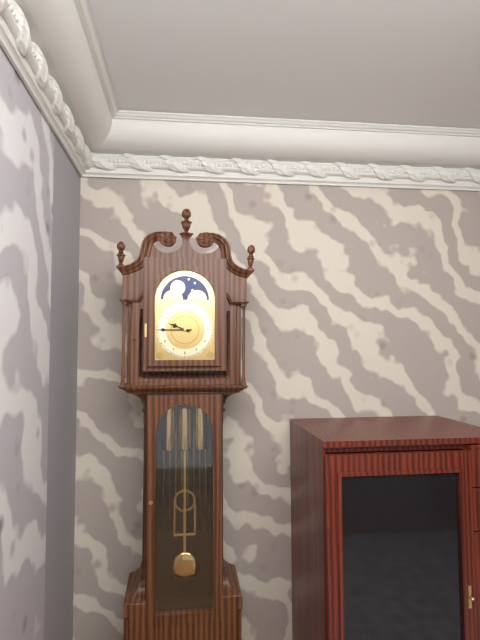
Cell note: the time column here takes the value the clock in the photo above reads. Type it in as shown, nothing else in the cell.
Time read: 9:45
